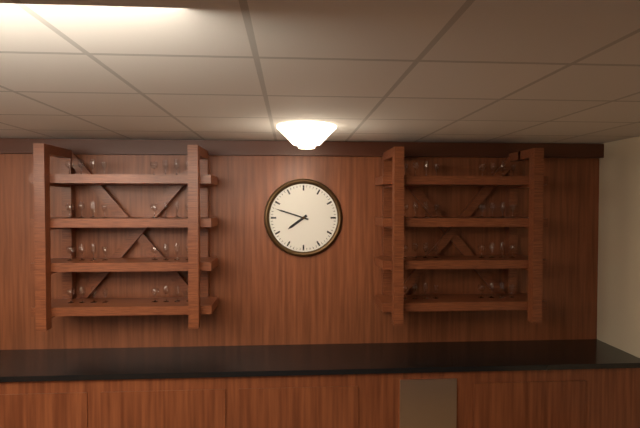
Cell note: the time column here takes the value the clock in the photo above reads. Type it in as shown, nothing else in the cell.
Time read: 7:48
